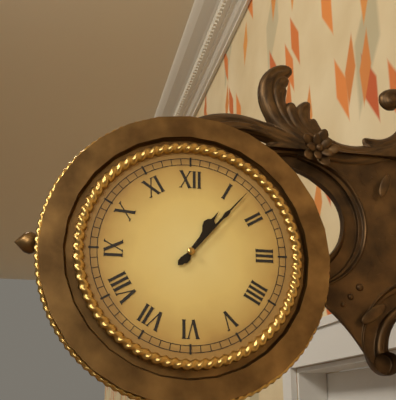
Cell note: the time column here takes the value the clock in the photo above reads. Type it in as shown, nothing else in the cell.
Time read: 1:07
